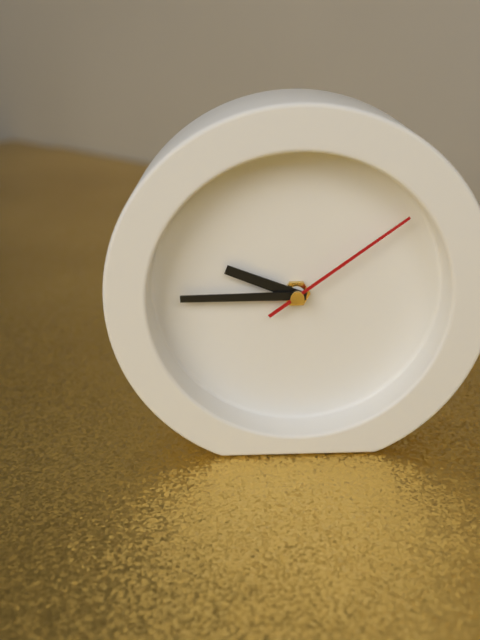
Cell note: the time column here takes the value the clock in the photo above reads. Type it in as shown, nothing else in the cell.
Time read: 9:45:09
